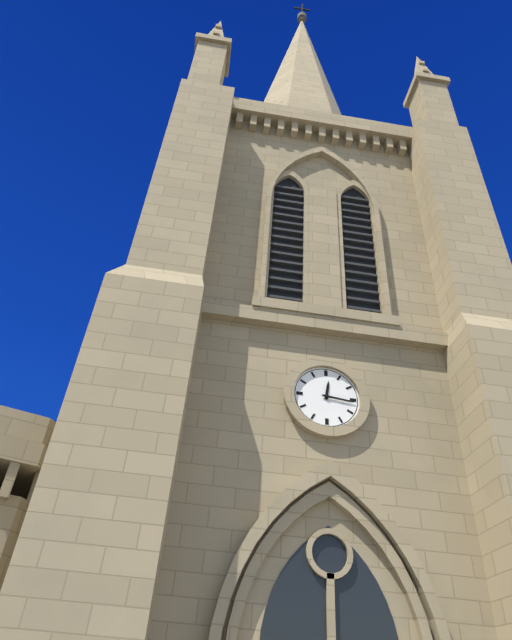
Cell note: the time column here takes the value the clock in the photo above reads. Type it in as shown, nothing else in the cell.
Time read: 12:16
